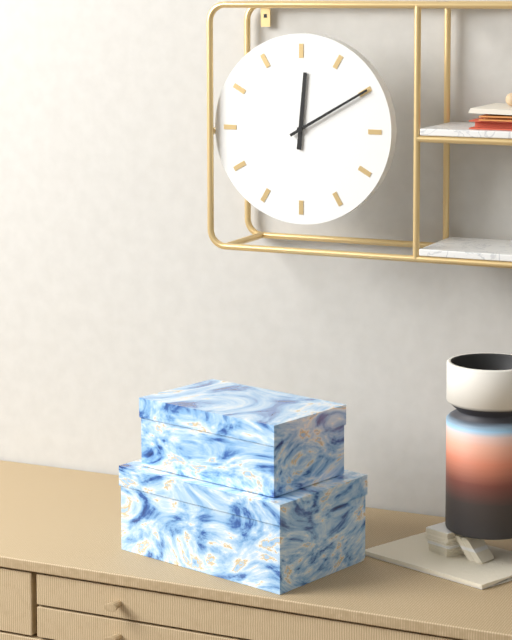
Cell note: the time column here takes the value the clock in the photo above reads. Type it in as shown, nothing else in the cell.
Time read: 12:10
